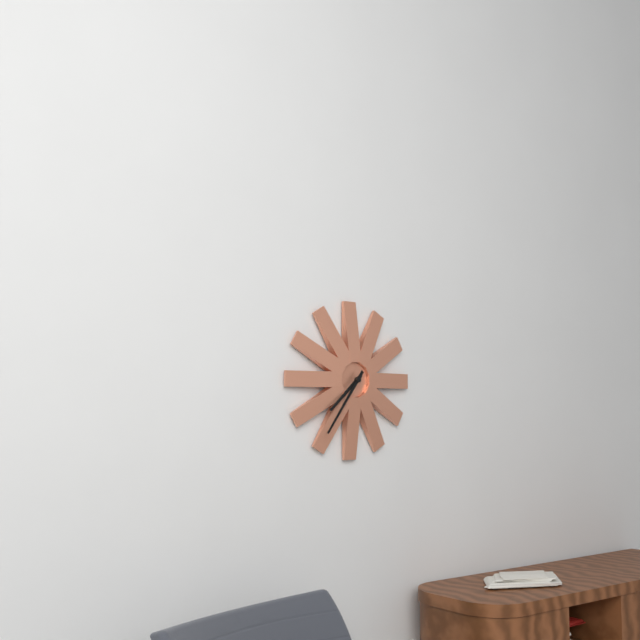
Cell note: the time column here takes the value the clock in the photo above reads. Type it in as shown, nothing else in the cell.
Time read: 7:36
